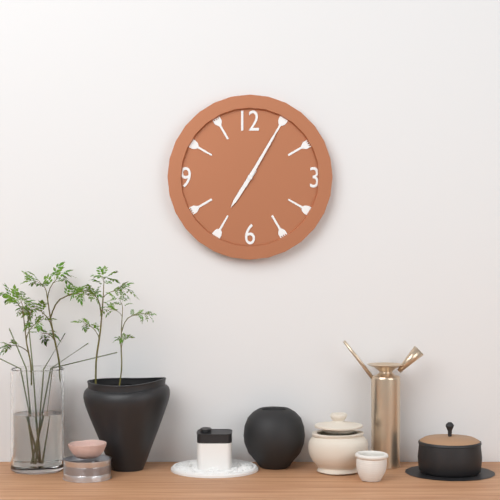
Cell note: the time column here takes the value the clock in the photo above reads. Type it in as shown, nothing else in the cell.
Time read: 7:05
